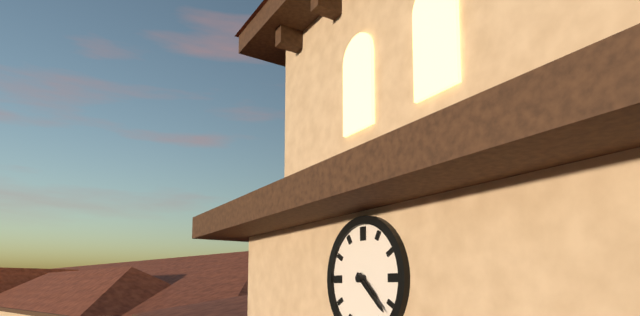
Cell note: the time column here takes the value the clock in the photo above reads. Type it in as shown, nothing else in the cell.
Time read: 4:22
